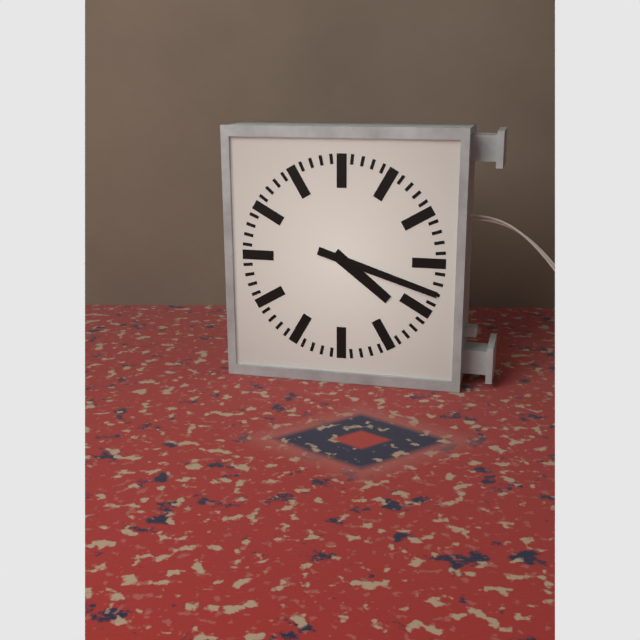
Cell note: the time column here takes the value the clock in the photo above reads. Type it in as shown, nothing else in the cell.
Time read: 4:18
